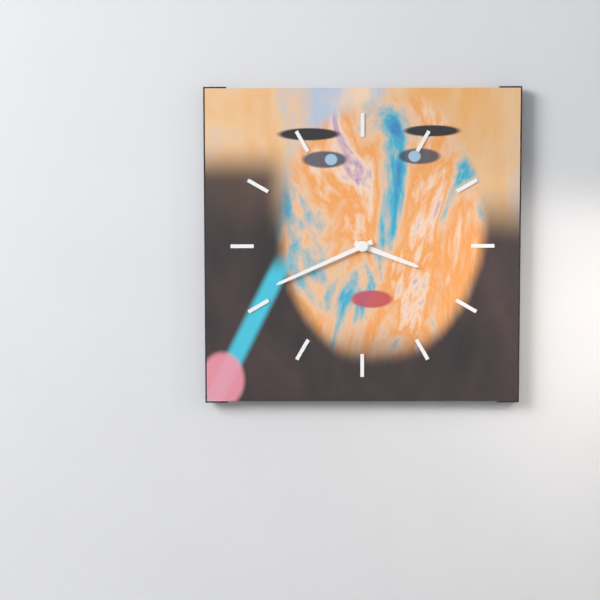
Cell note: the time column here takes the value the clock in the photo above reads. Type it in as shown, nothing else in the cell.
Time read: 3:41
